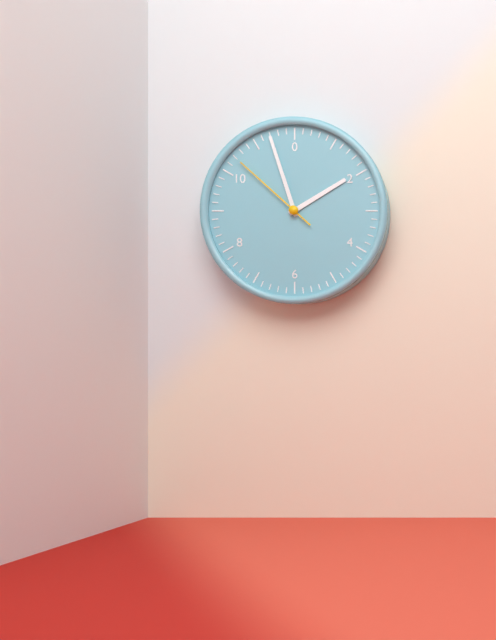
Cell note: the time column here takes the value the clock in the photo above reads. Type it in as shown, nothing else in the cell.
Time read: 1:57:52
